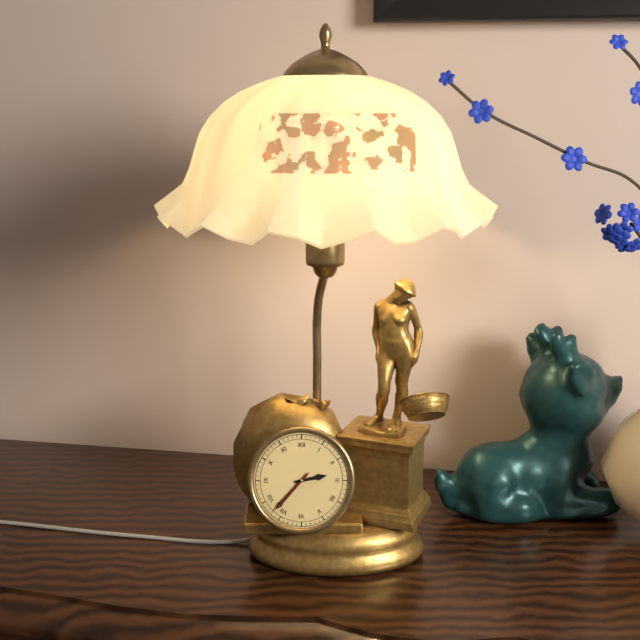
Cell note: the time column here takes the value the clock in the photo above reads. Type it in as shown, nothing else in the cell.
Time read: 2:37:37
